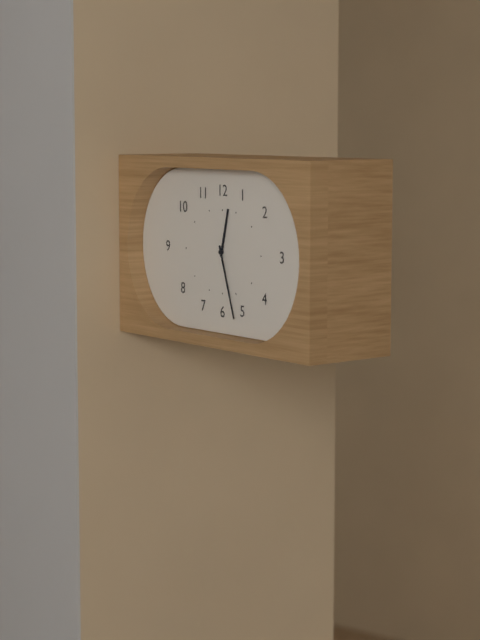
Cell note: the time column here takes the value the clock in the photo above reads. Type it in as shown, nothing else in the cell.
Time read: 12:27
